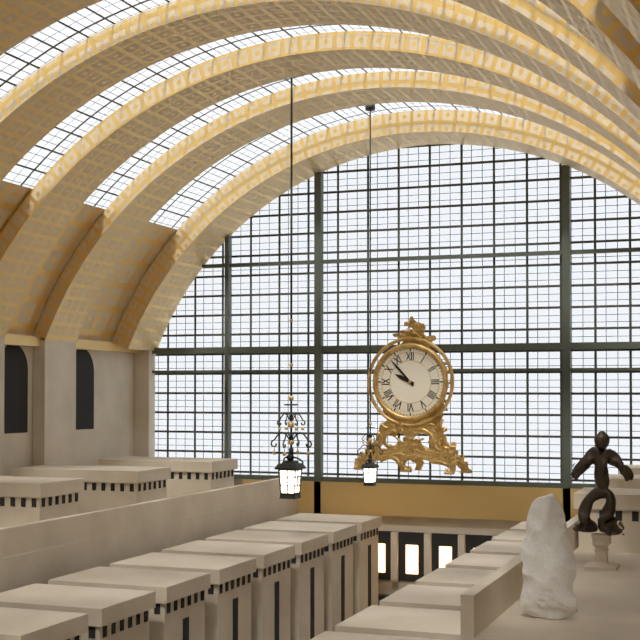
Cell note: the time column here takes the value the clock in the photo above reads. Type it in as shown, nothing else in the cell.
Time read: 9:53
